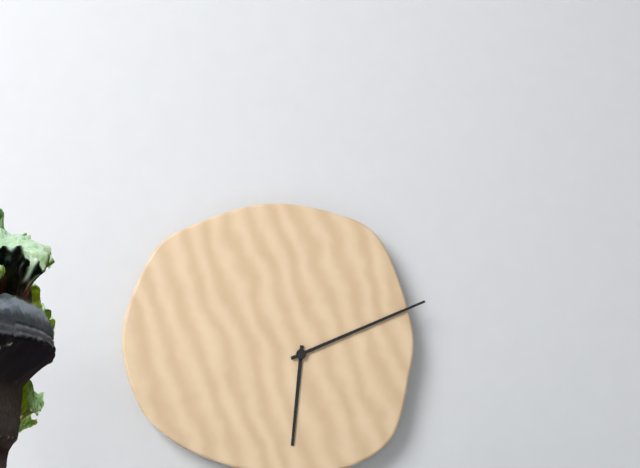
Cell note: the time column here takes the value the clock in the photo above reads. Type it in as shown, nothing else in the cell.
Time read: 6:11
